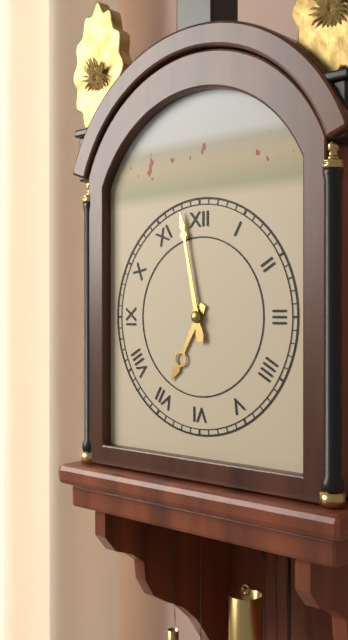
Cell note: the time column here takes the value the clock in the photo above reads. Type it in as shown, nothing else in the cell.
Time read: 6:58
